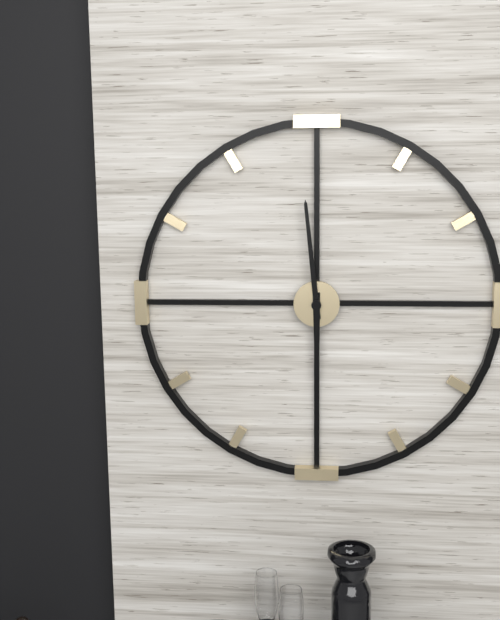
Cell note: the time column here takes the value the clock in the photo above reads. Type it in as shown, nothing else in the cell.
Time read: 5:59
